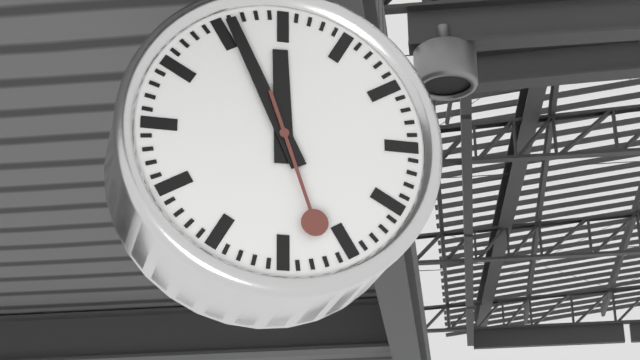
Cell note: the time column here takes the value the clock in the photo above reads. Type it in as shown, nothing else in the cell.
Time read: 11:56:27
